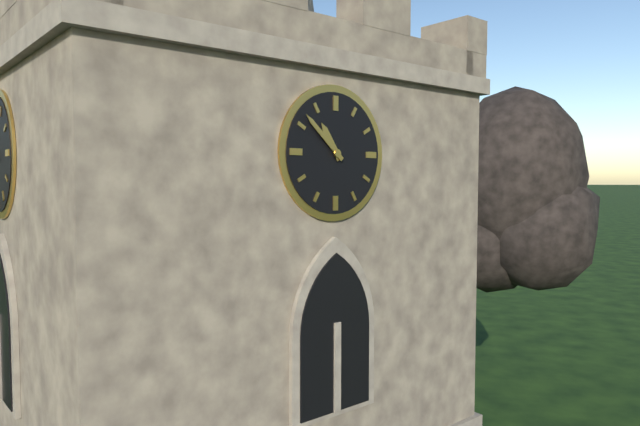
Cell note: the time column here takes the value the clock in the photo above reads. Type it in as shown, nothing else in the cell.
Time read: 10:52
